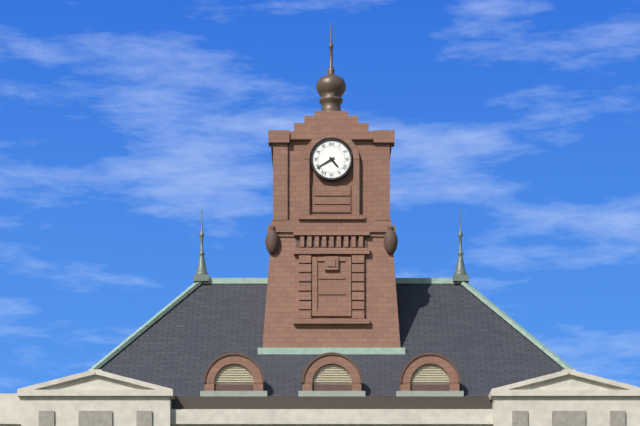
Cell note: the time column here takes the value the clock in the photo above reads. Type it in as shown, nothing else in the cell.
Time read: 4:40
